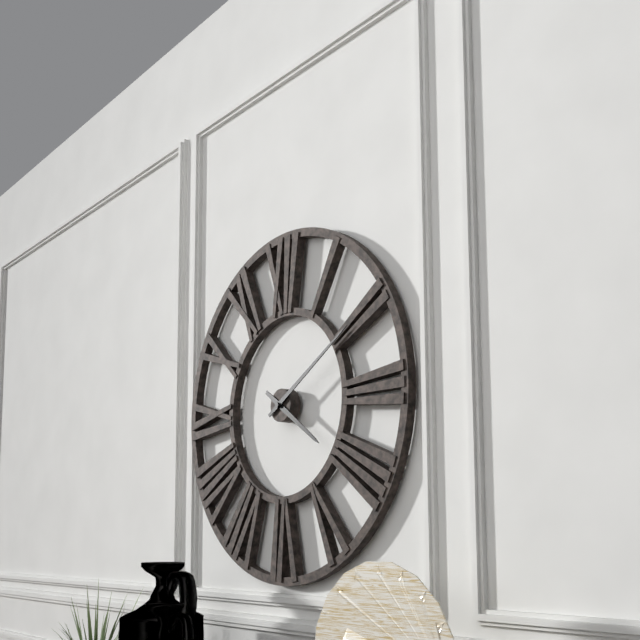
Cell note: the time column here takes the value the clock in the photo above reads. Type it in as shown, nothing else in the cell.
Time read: 4:10
